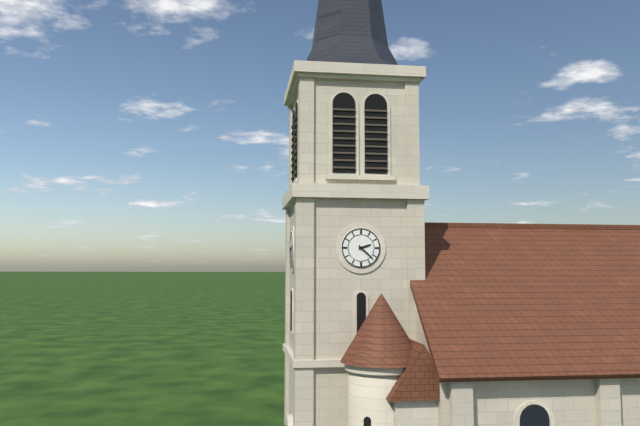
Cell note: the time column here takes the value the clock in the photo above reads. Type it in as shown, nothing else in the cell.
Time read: 2:22
